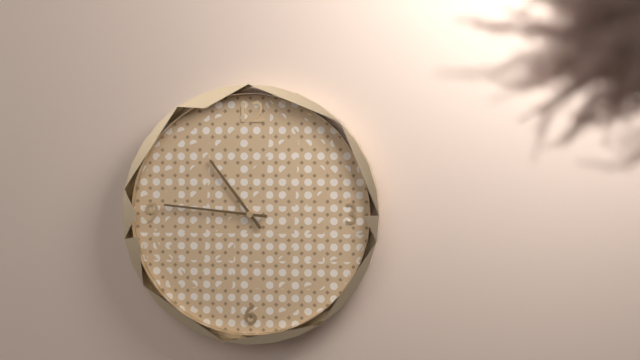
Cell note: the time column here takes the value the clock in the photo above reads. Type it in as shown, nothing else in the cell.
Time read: 10:46
